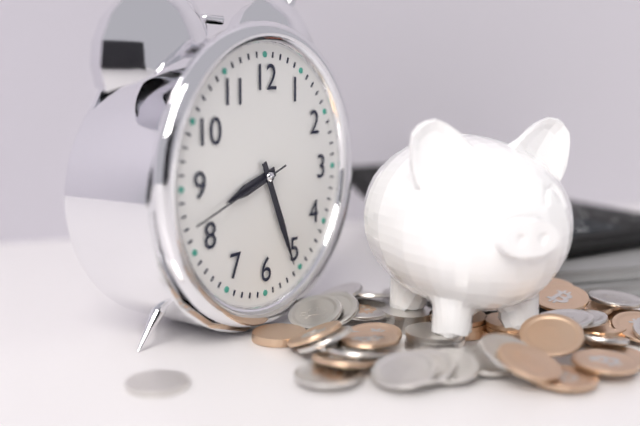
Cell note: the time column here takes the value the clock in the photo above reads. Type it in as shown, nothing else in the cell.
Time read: 8:26:42
